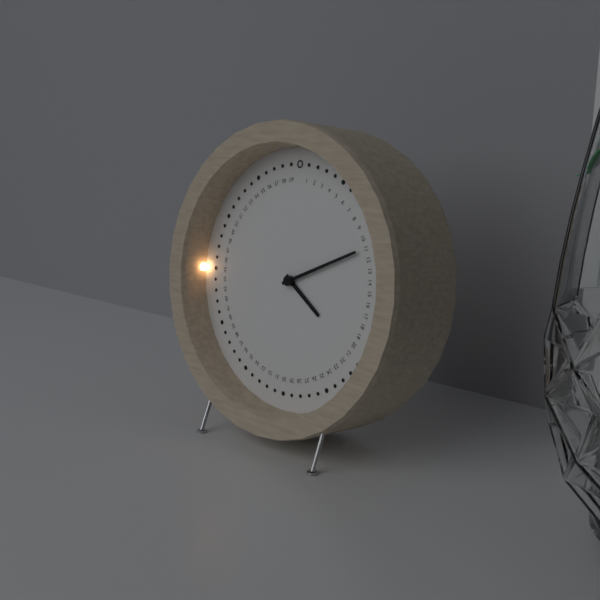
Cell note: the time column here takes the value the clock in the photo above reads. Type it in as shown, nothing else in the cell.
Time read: 4:11
